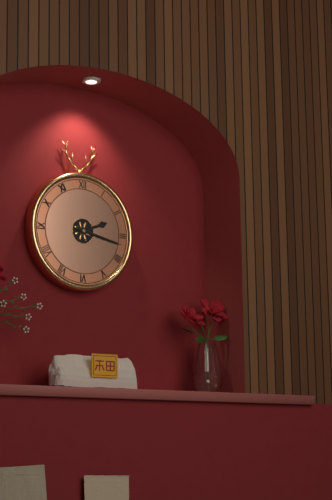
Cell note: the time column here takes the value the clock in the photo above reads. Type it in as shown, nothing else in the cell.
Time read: 2:17
